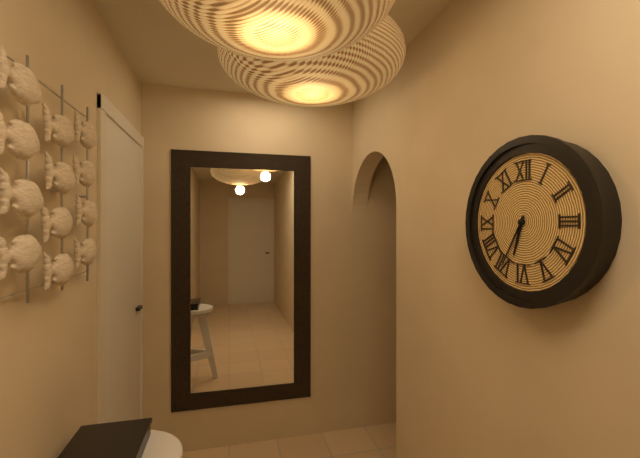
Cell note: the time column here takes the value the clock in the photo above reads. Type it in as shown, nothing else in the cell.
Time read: 6:35
